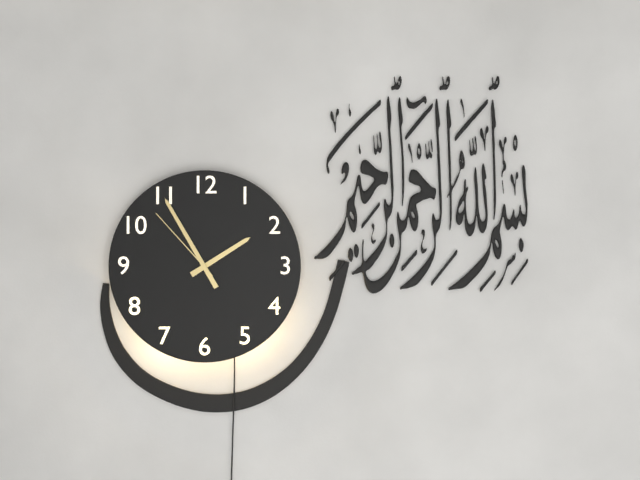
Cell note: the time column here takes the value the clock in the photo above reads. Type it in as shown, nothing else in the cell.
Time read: 1:55:53
